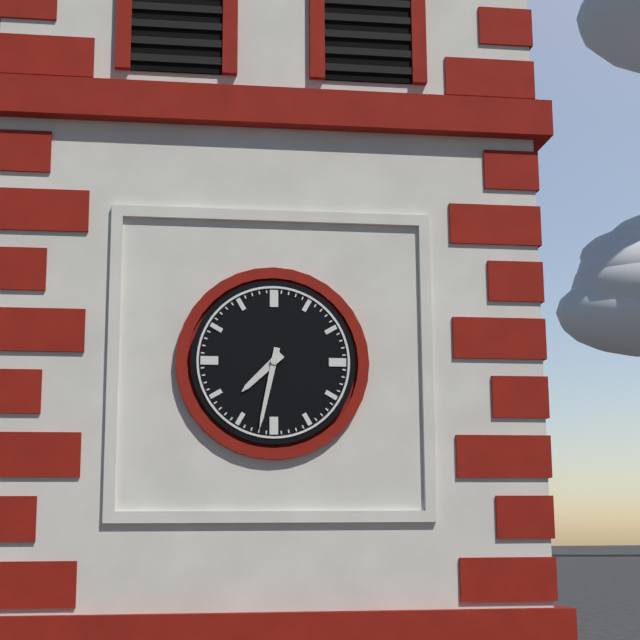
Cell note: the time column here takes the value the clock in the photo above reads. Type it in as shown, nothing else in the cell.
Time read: 7:32
